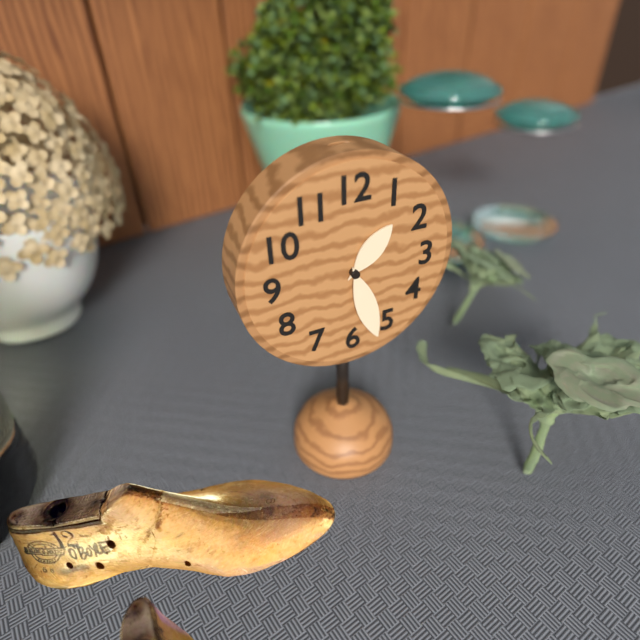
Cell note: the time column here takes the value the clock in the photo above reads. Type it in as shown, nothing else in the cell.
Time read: 1:27
